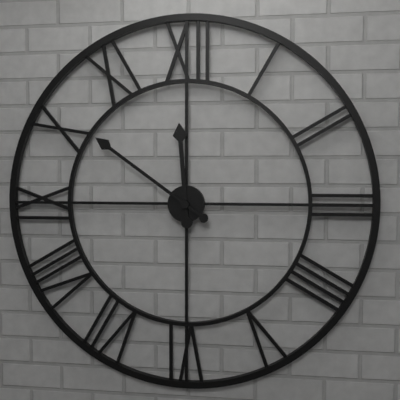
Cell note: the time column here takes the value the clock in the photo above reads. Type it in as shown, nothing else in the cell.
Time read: 11:51
